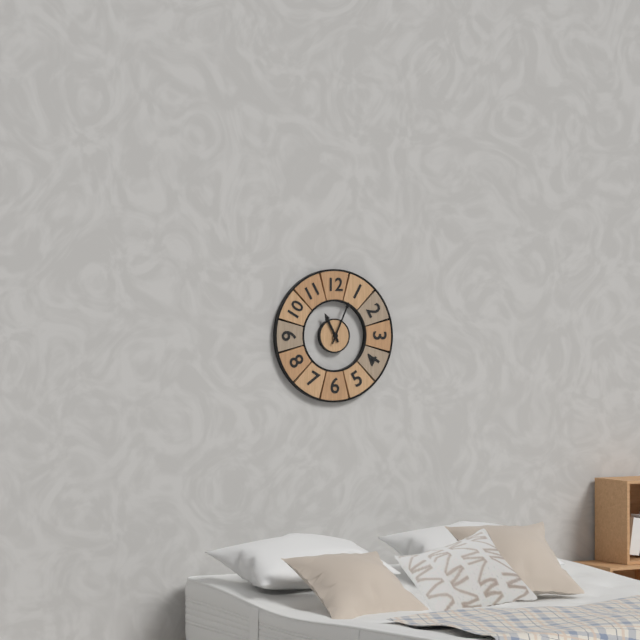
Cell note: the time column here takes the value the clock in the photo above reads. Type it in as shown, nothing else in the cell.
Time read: 11:04
